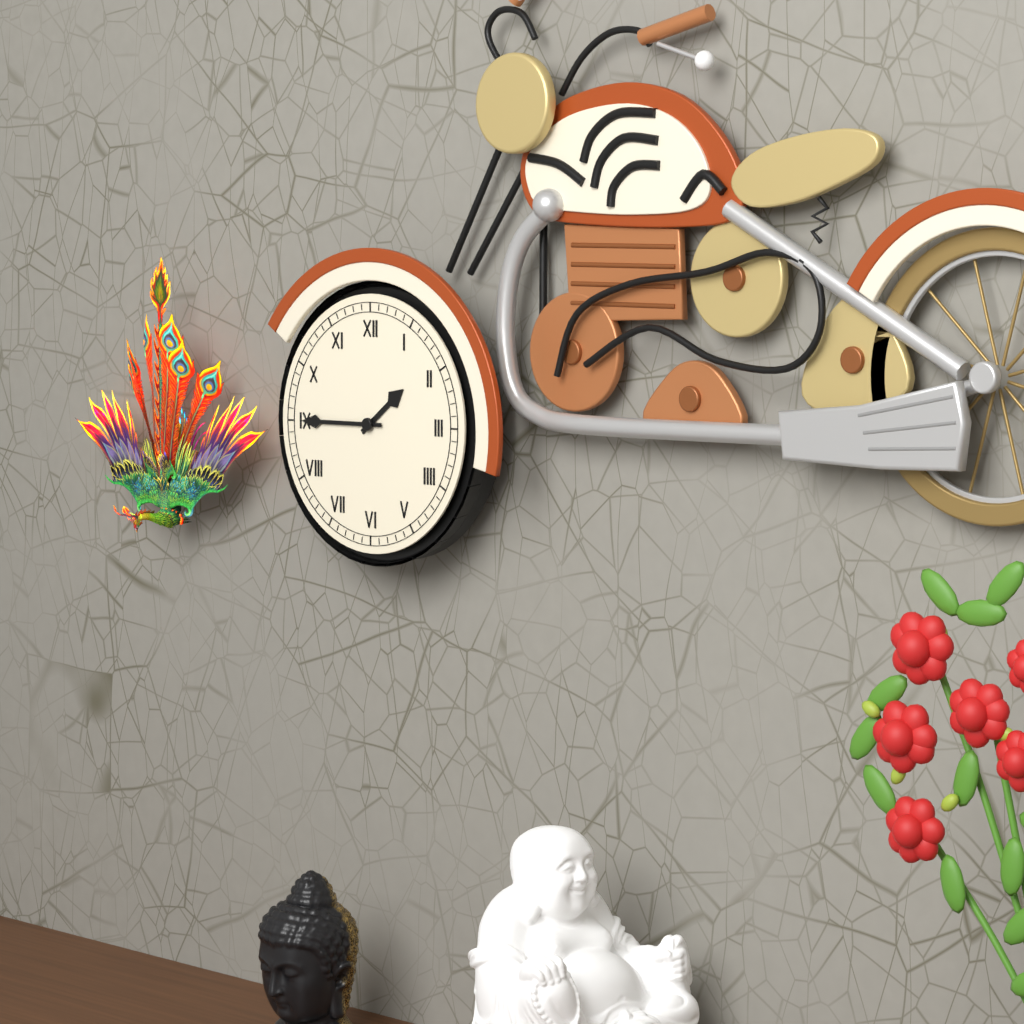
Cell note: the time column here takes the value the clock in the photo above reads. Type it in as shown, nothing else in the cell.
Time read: 1:45
